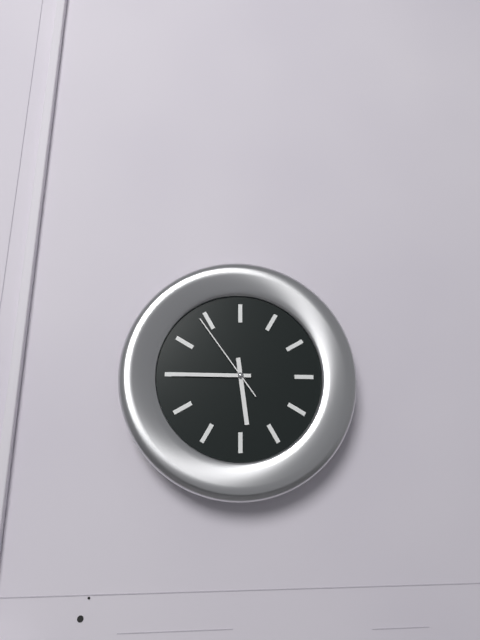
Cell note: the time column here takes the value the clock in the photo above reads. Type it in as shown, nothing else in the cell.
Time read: 5:45:54
